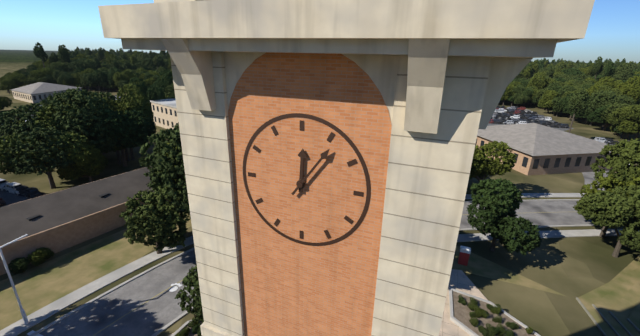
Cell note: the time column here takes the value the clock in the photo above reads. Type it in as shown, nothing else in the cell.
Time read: 12:06
